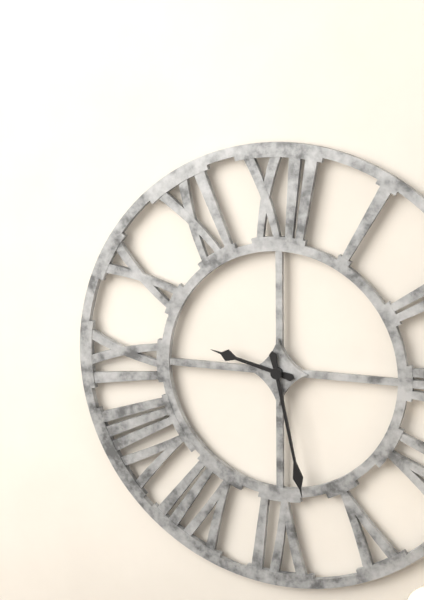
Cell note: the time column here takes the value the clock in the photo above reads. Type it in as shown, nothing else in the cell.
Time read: 9:28
